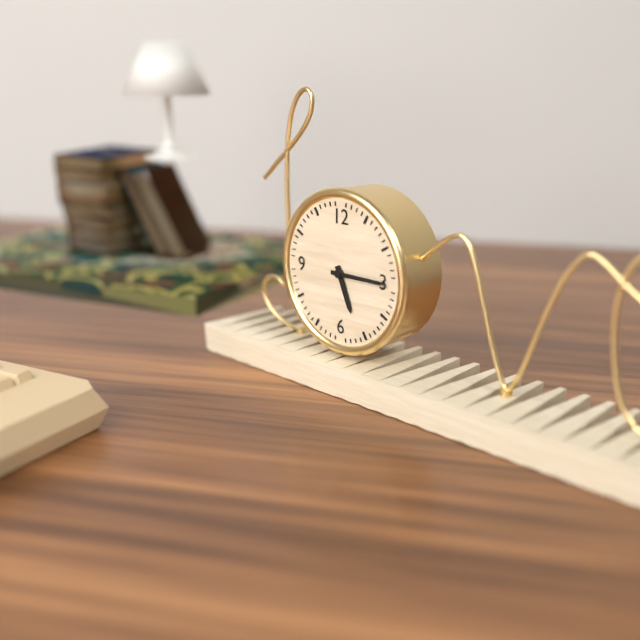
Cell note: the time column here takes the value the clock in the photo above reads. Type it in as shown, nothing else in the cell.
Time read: 5:15
